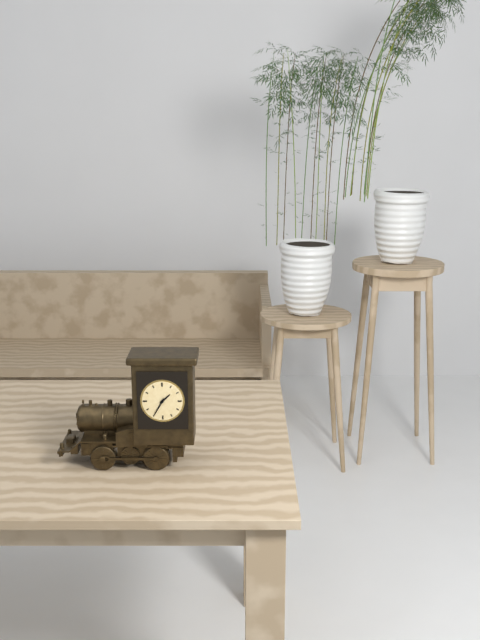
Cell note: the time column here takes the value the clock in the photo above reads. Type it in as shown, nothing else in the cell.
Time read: 1:35
